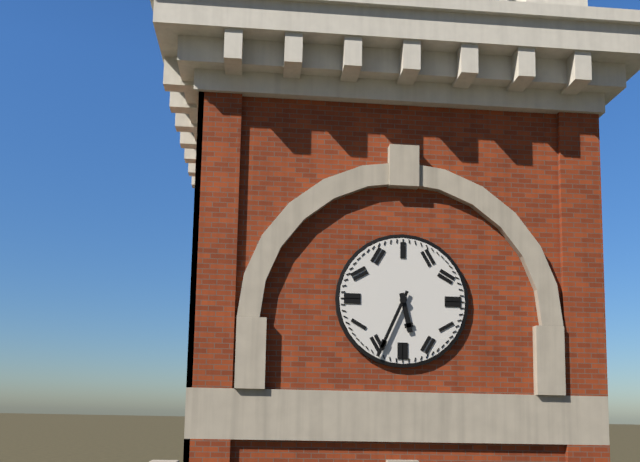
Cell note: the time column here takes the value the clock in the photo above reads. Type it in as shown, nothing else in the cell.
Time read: 5:34
